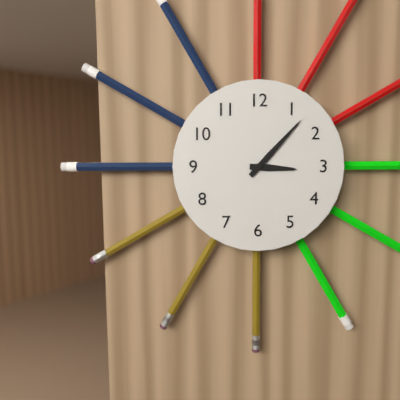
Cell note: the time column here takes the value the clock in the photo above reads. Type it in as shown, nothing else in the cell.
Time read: 3:07
